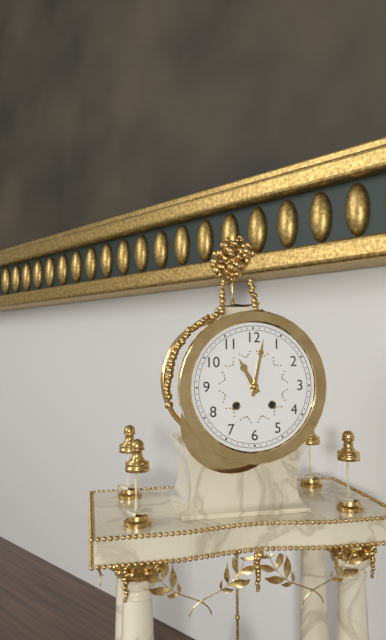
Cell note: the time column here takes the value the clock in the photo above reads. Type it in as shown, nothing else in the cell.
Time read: 11:02
